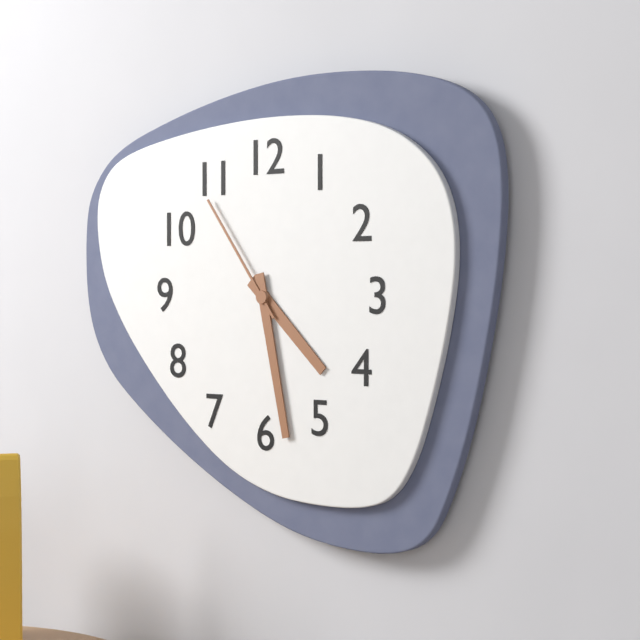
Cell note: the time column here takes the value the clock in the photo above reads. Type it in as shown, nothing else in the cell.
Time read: 4:28:54
